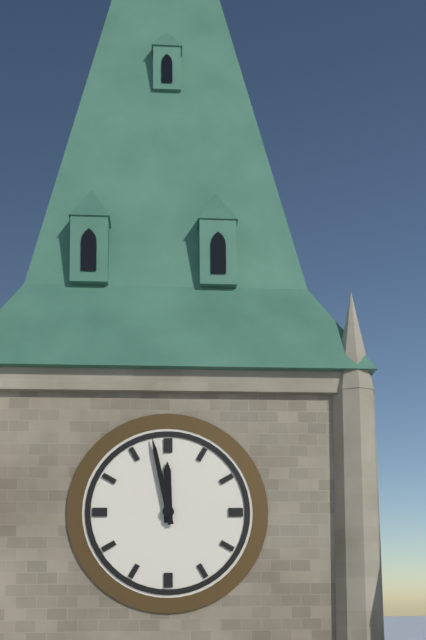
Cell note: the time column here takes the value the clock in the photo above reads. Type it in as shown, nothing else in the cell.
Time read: 11:58
